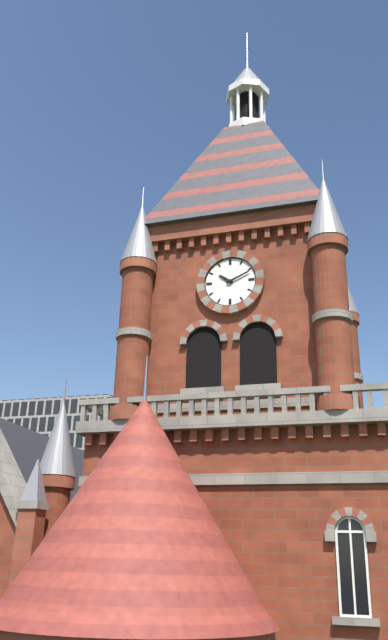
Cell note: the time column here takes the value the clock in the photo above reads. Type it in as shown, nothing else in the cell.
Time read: 10:11
